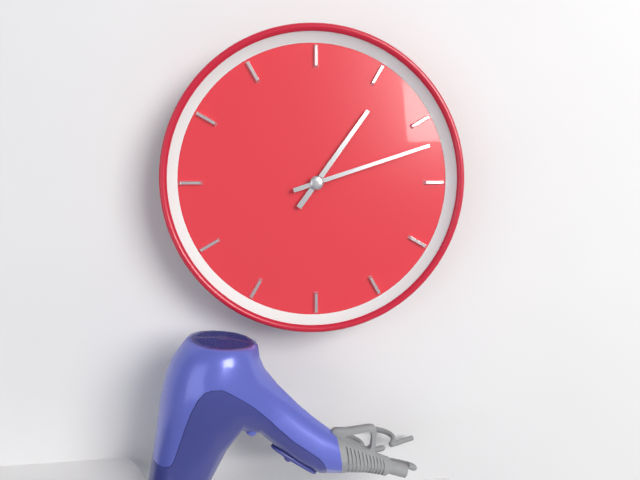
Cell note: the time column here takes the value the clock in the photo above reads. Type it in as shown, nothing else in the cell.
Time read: 1:12
